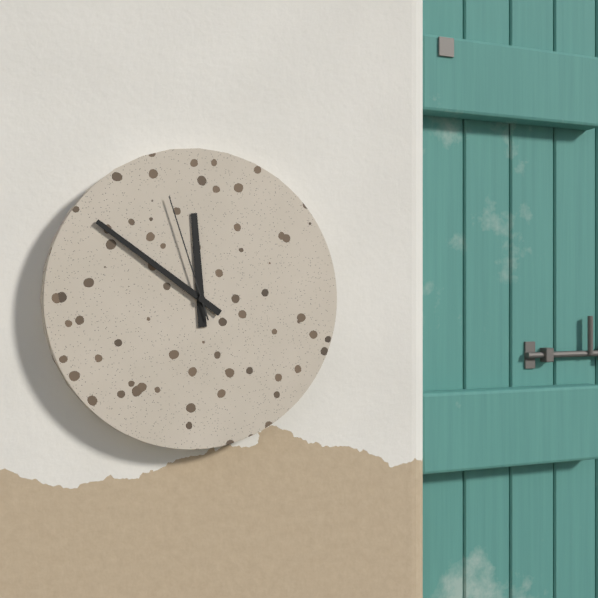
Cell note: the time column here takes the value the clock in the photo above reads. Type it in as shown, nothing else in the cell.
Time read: 11:51:57
